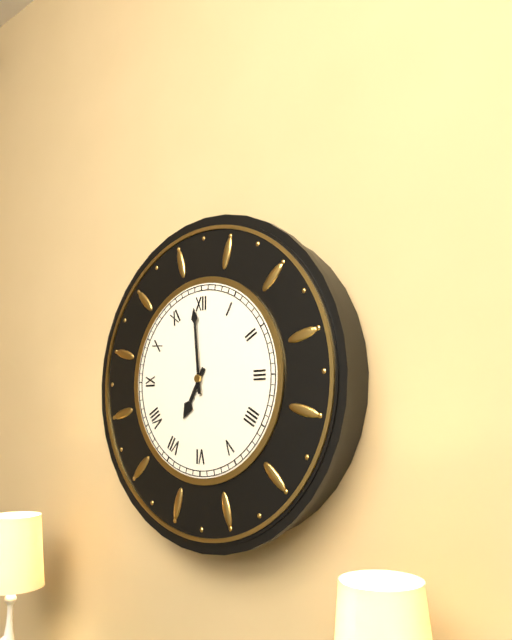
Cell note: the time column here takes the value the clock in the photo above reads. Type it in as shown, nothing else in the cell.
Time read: 6:59
